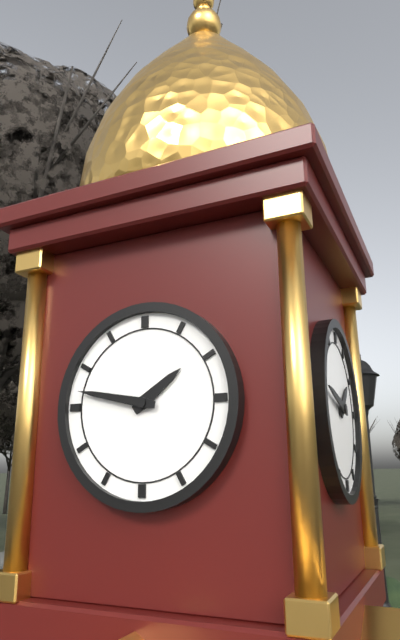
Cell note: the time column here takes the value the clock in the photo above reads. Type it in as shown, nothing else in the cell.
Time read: 1:47
